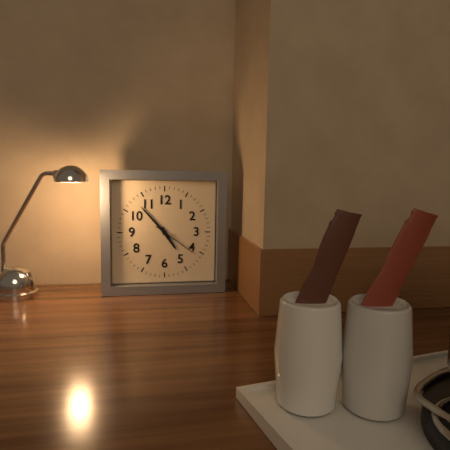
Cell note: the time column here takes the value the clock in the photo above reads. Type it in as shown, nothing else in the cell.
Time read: 4:53
